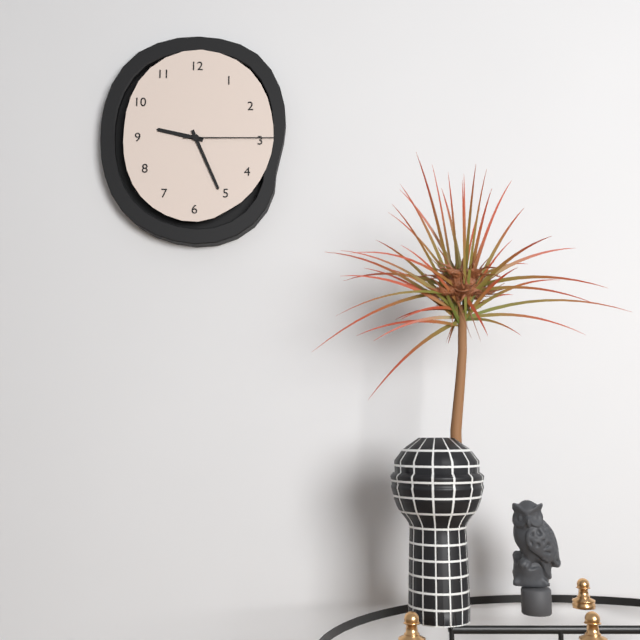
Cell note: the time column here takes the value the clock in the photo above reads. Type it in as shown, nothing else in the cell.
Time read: 9:26:15
